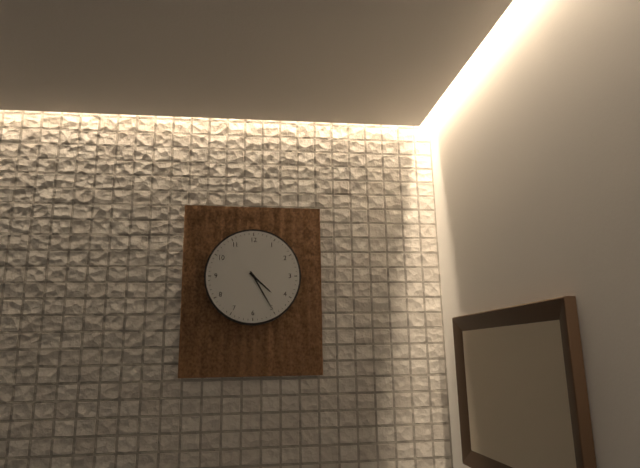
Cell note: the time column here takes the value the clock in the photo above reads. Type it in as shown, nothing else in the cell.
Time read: 4:25
